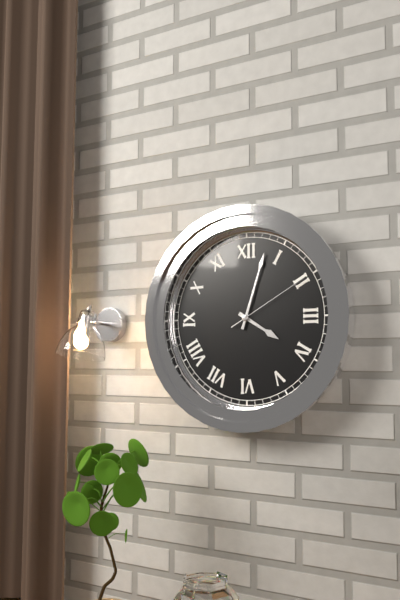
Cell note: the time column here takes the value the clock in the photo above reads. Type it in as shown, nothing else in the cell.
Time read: 4:03:10
